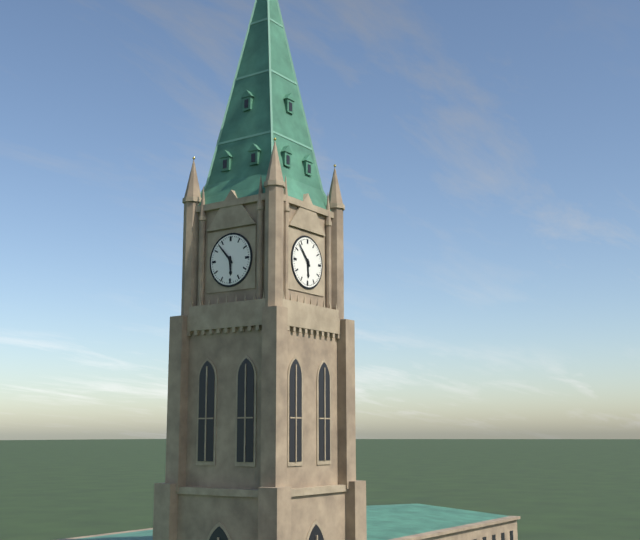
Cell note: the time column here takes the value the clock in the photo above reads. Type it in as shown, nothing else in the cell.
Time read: 5:53
